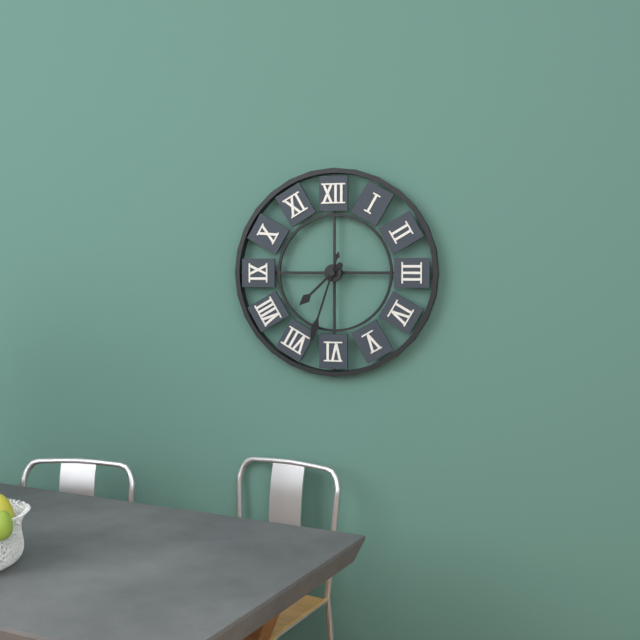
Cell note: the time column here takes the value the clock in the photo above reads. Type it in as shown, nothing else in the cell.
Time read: 7:33
